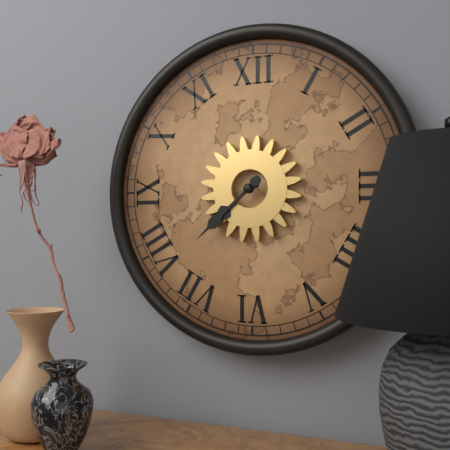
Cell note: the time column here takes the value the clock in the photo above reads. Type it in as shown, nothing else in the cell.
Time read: 7:38
